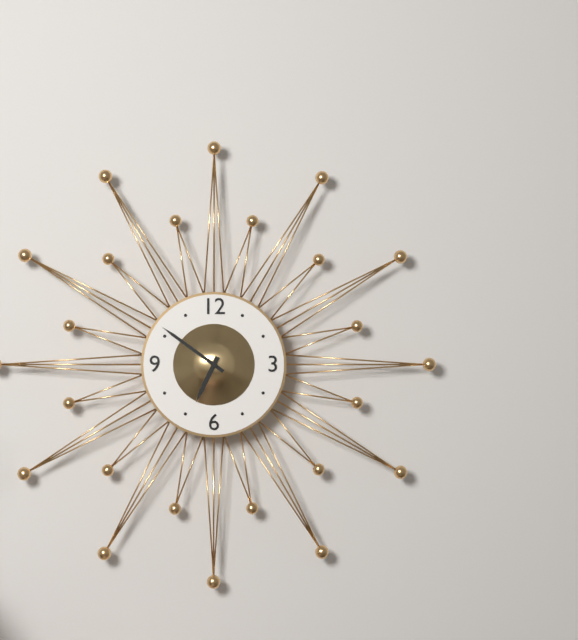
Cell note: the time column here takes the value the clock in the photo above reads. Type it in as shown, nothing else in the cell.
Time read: 6:51
